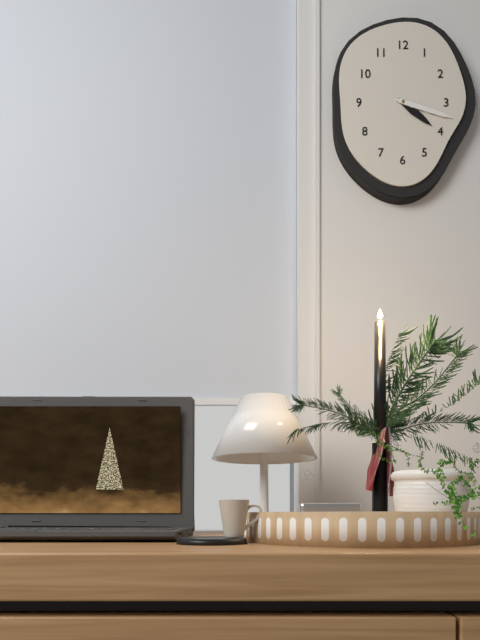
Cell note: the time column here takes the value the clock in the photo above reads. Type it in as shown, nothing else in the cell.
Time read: 4:18
